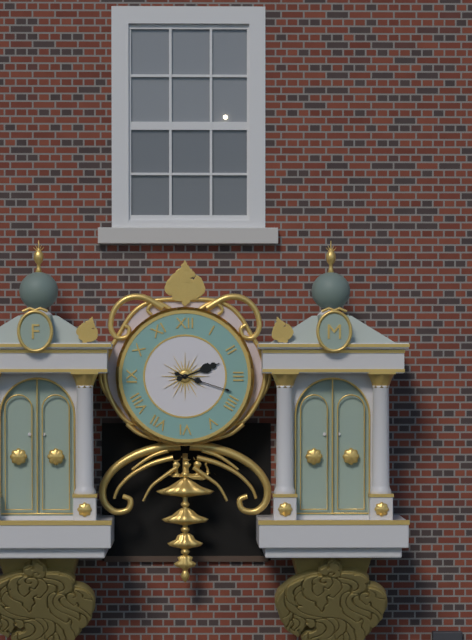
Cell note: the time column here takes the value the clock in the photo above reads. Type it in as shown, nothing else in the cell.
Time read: 2:18
